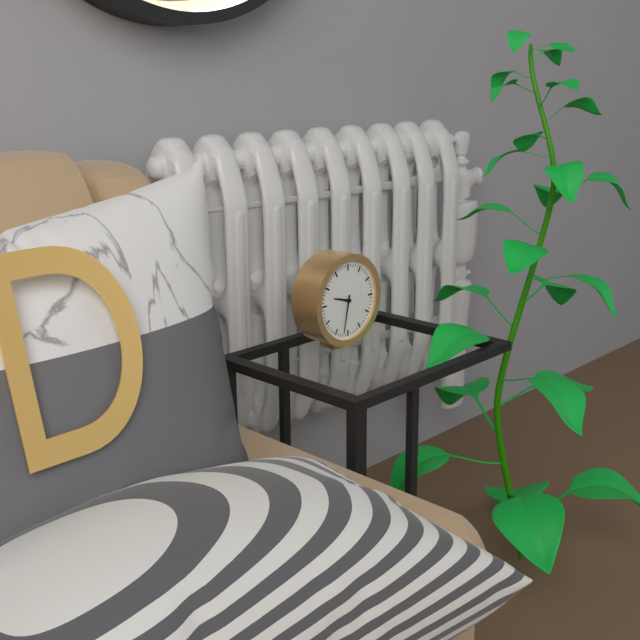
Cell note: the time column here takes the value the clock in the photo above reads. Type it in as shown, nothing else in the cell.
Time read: 9:32
